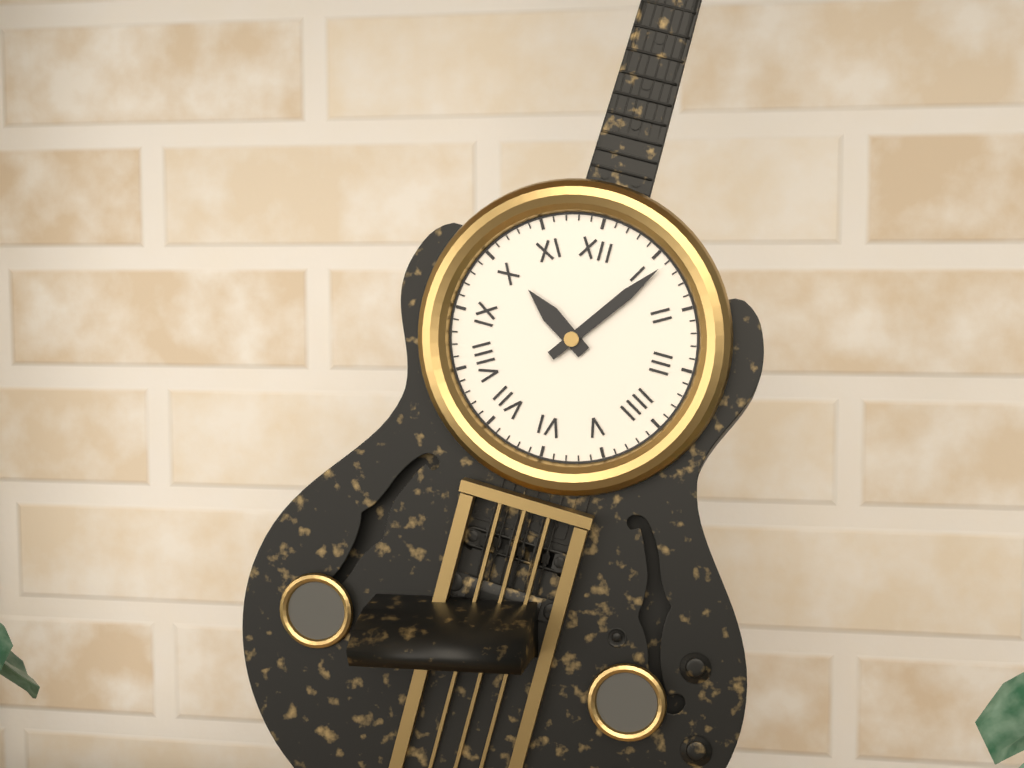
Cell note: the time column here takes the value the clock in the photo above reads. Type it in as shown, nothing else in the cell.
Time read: 10:06
